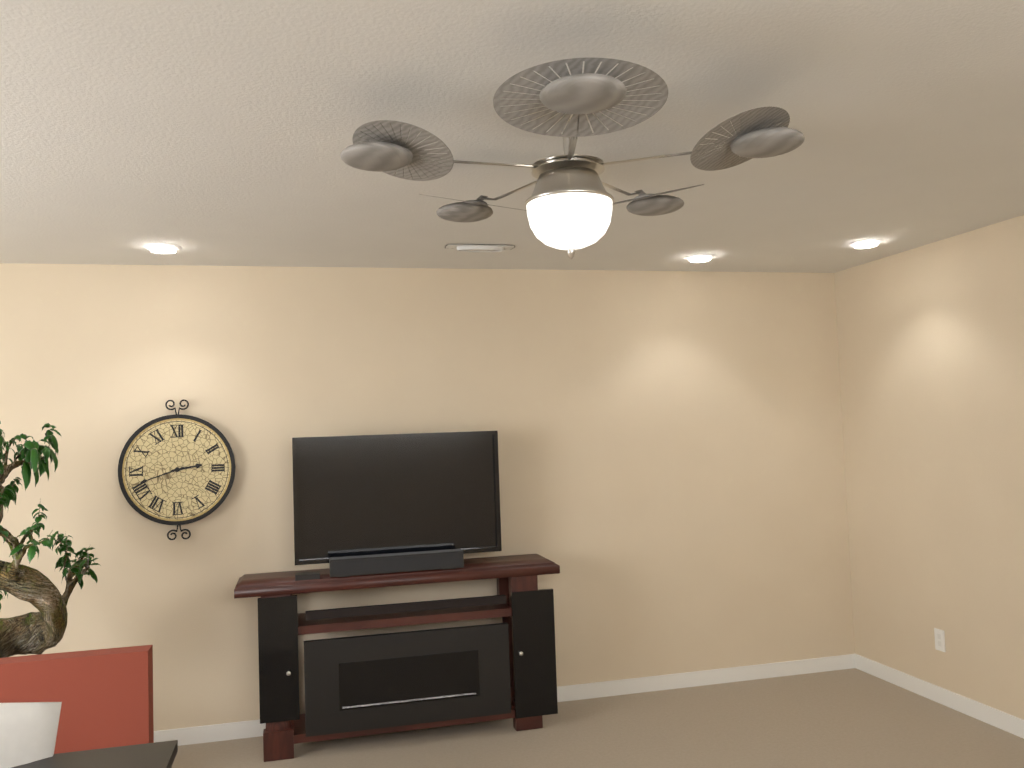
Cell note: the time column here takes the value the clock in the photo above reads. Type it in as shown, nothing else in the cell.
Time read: 2:42
